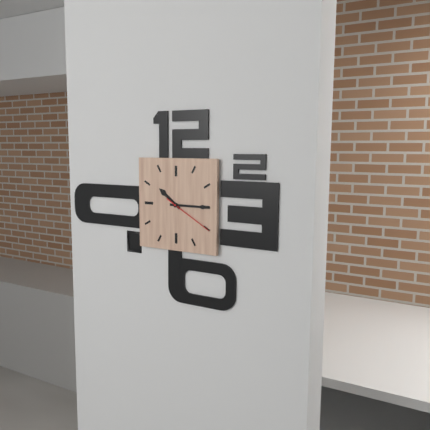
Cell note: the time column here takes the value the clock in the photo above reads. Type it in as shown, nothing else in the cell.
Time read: 10:15
